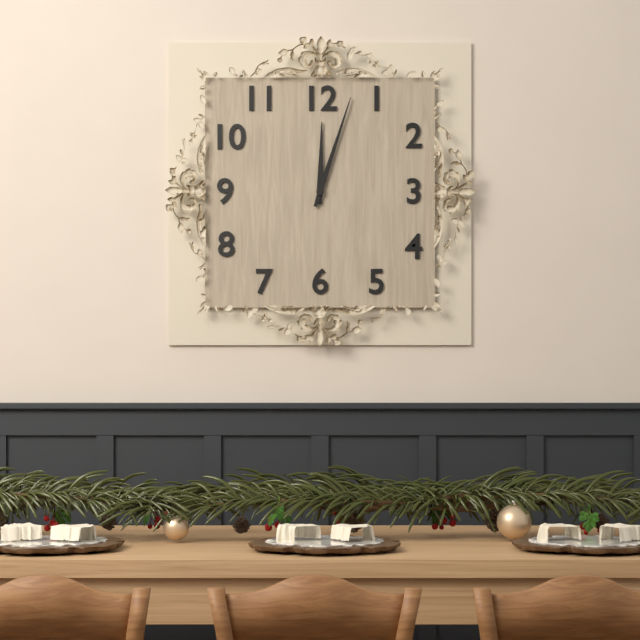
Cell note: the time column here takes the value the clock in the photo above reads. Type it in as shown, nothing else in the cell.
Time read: 12:03
